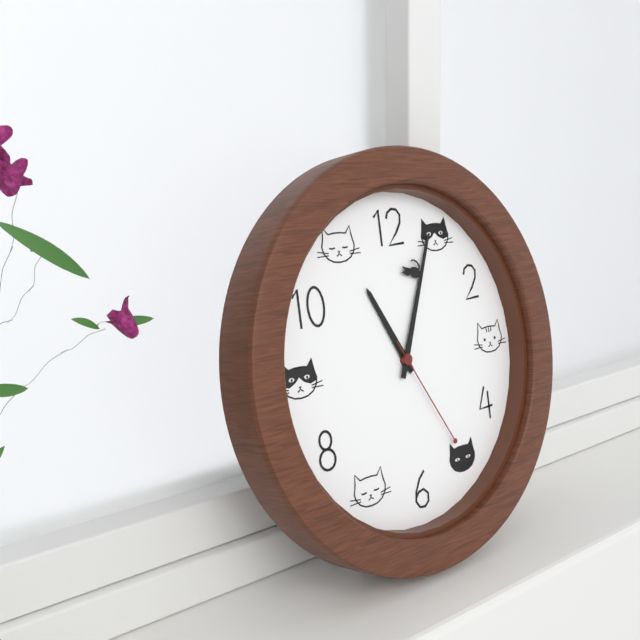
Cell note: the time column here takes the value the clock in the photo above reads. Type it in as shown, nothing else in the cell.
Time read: 11:04:25
